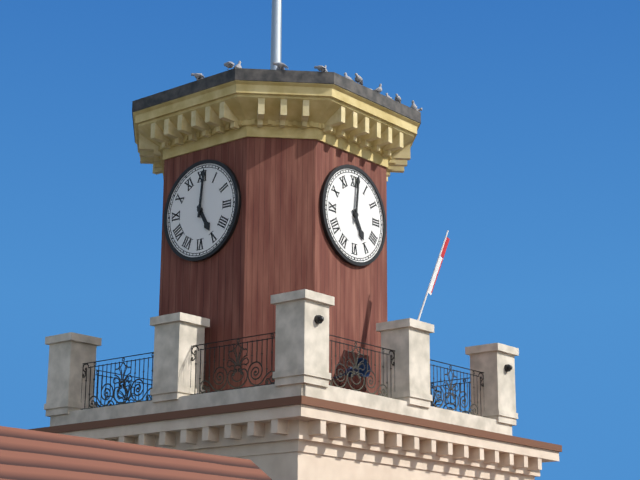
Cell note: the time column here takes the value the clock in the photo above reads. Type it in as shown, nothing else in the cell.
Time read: 5:01
